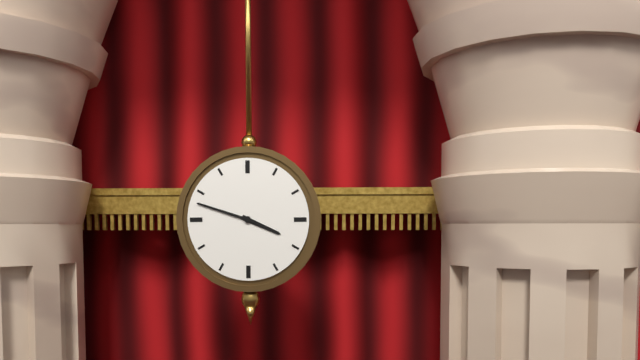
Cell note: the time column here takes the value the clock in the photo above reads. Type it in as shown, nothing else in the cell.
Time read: 3:48
